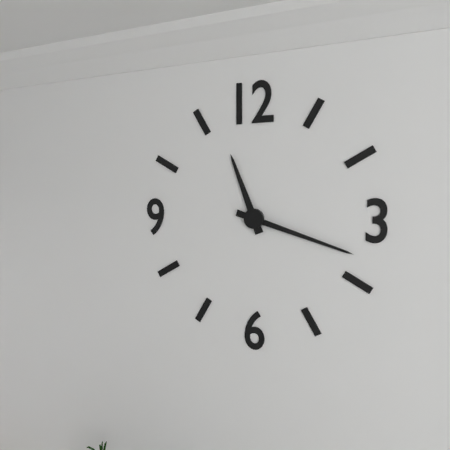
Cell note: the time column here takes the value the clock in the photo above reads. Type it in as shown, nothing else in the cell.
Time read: 11:18
